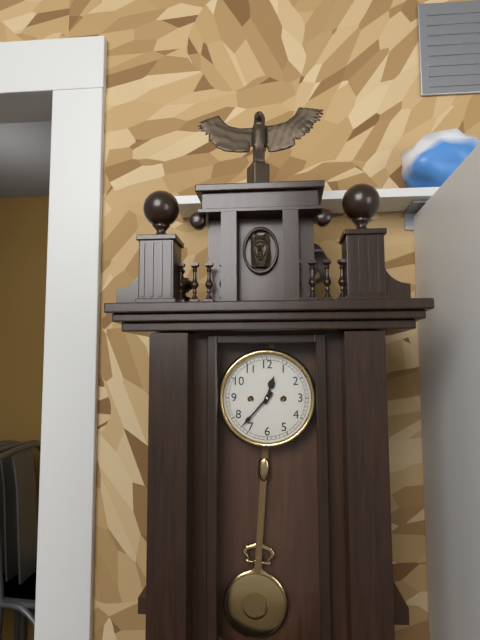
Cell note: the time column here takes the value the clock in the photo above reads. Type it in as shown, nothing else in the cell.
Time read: 12:37
